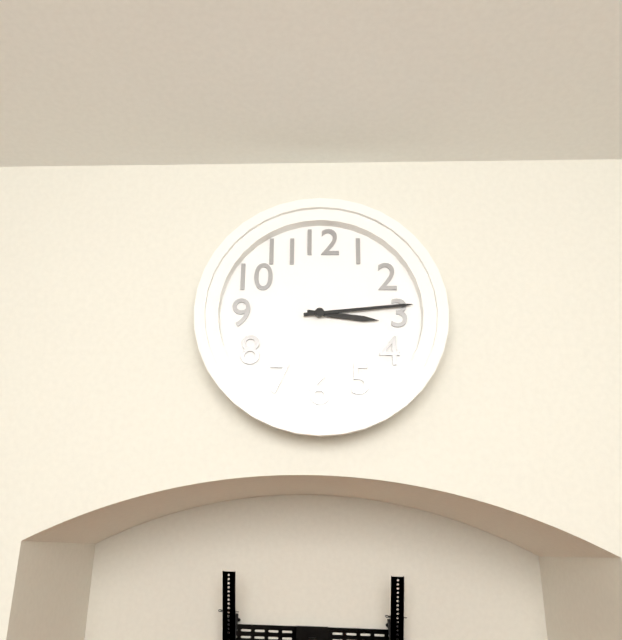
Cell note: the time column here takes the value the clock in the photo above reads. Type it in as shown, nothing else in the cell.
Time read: 3:14
